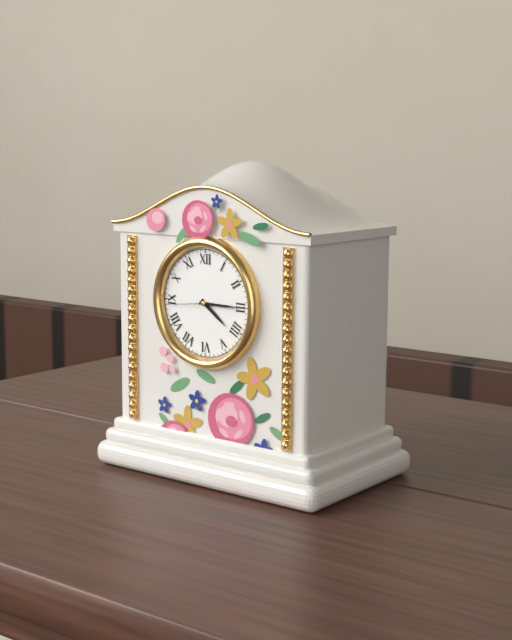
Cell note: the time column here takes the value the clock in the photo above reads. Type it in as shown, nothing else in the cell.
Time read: 4:15
